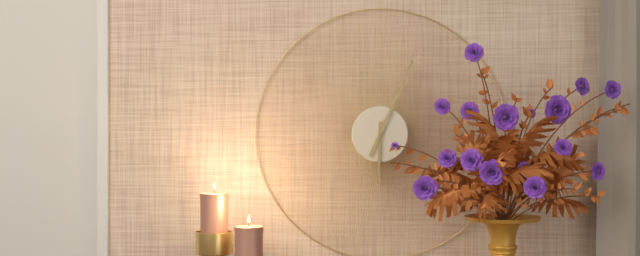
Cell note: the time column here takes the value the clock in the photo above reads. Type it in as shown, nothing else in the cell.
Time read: 6:04
